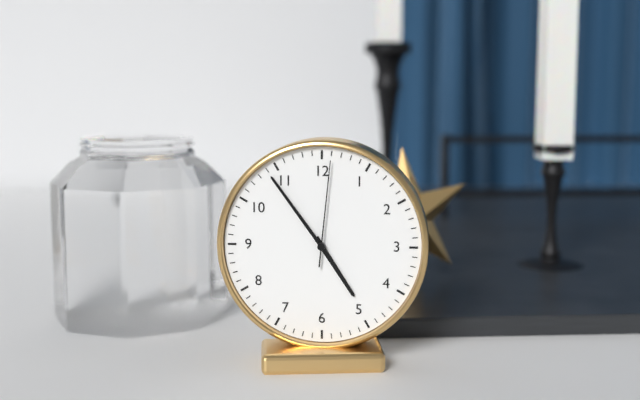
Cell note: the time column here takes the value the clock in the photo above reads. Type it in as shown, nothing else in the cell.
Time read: 4:54:01
